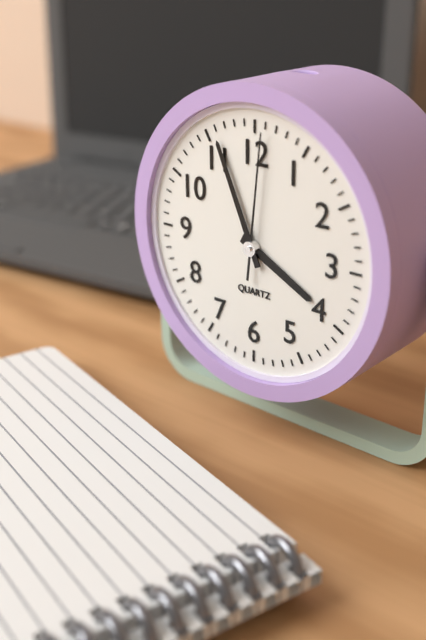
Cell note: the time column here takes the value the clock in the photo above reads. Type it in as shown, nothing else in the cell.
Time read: 3:56:01
